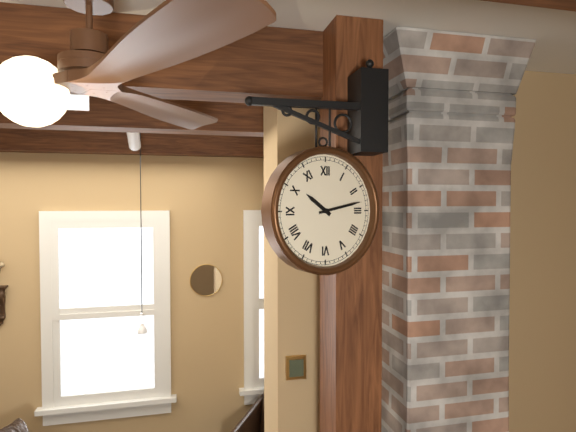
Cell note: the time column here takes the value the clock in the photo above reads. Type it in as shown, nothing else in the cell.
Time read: 10:13
